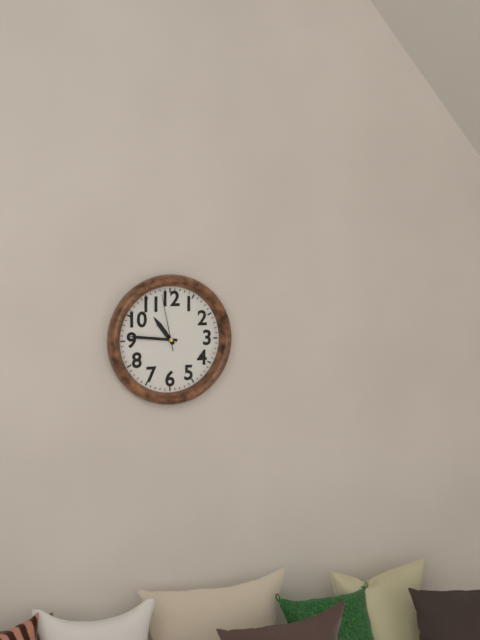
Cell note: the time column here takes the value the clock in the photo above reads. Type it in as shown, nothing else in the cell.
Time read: 10:46:58
